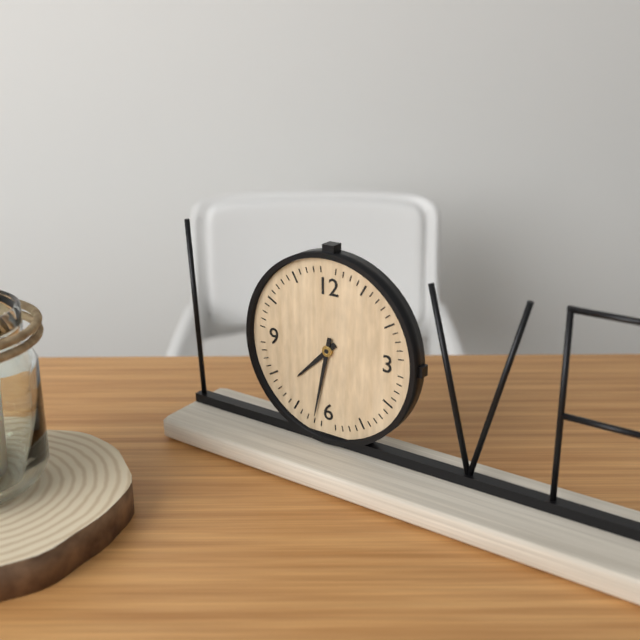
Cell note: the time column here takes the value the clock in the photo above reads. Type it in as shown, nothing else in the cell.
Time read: 7:32
